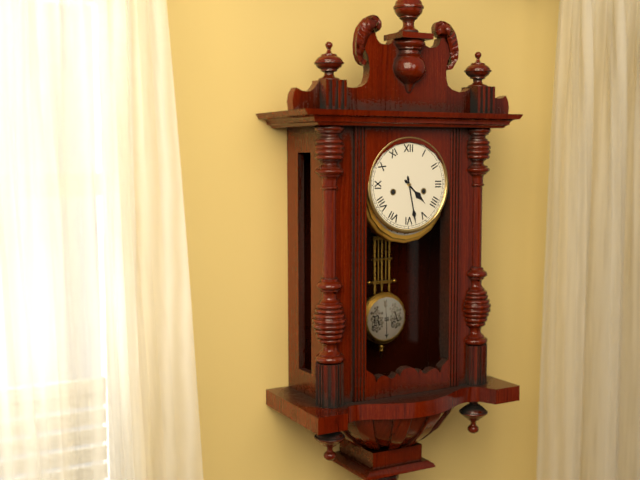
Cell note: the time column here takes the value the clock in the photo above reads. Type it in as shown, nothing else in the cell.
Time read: 4:28
